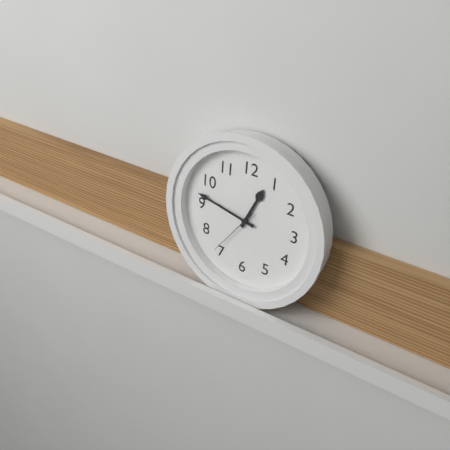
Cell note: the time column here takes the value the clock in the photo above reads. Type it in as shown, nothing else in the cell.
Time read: 12:47:36
